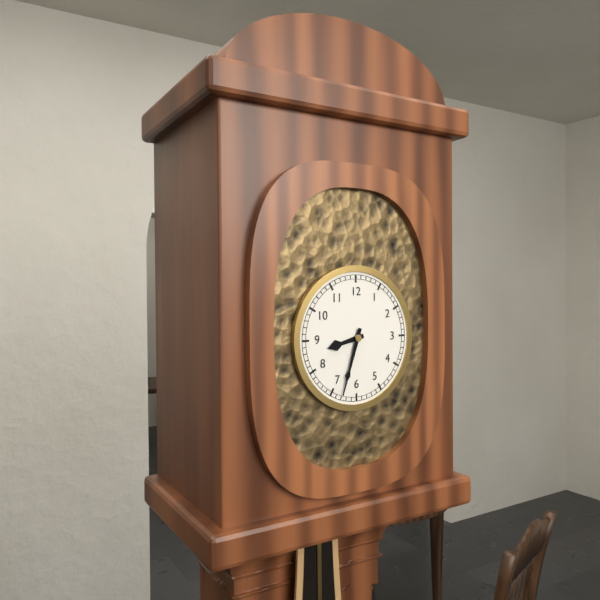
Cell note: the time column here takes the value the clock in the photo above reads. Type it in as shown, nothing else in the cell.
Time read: 8:33
